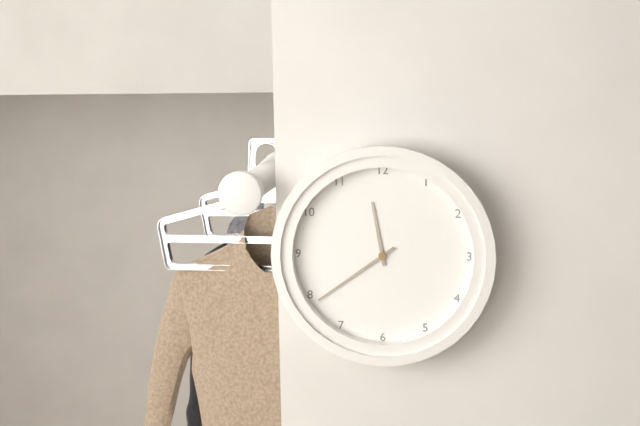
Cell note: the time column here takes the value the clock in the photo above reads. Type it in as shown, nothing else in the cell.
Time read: 11:39
